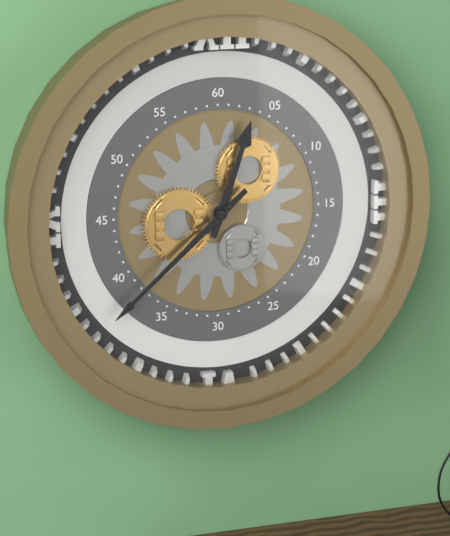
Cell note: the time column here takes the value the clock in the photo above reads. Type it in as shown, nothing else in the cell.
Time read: 12:38
